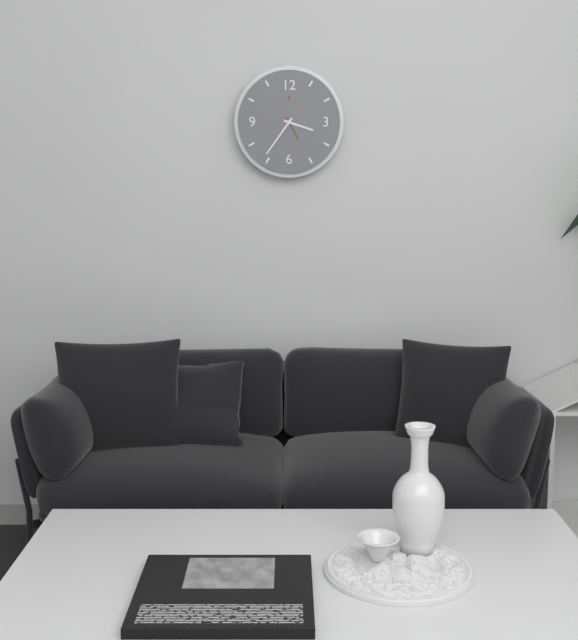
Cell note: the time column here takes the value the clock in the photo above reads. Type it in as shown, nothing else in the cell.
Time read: 3:36
